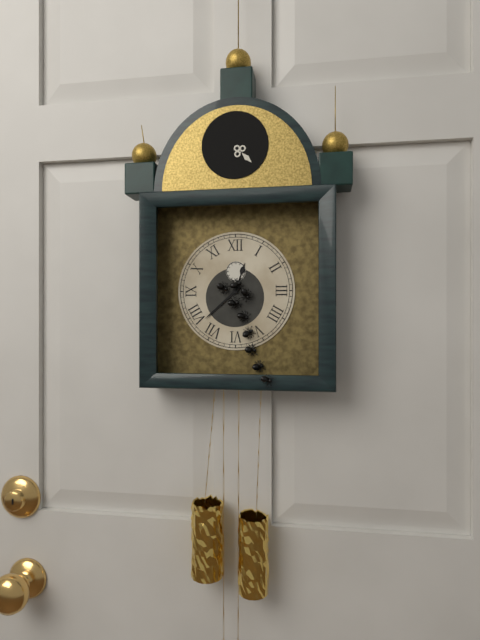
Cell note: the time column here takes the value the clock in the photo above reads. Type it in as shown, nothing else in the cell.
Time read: 12:38
